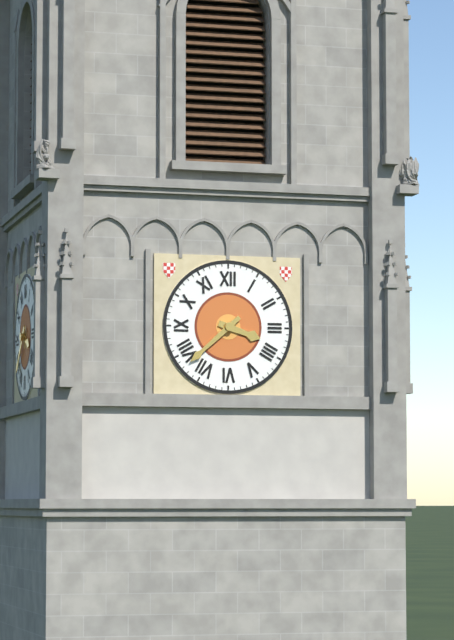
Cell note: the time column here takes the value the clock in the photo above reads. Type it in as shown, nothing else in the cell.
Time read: 3:38
